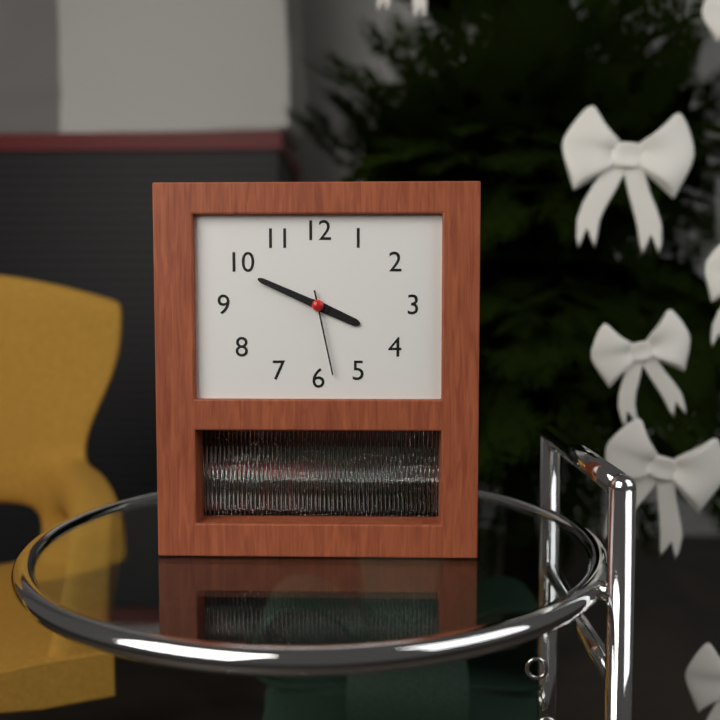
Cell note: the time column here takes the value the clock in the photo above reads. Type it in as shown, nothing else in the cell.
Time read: 3:49:28
